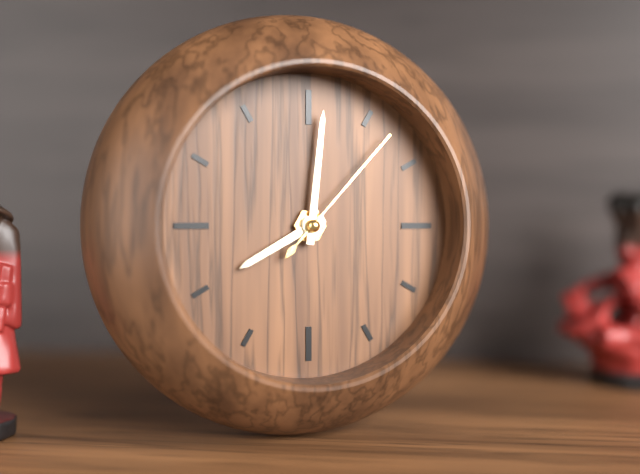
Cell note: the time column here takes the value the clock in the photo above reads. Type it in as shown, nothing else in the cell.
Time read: 8:01:07
